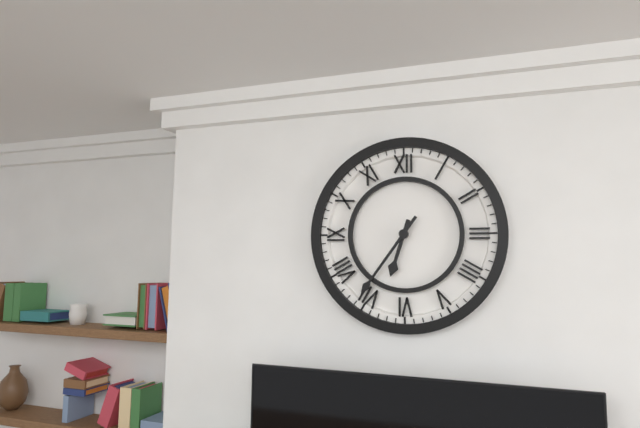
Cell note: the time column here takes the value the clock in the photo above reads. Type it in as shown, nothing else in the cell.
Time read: 6:36
